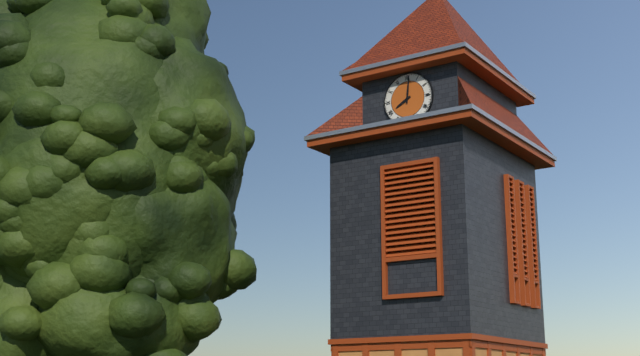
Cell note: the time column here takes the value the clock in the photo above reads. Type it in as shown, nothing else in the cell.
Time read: 8:01
